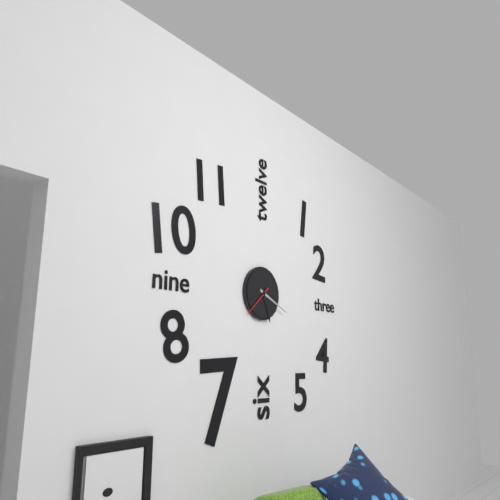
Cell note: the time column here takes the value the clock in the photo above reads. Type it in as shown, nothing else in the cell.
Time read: 5:19
